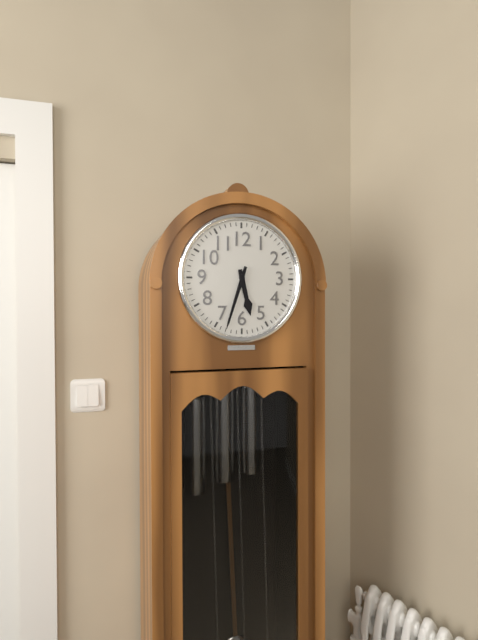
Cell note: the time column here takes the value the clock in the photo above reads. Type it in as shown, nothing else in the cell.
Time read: 5:33
